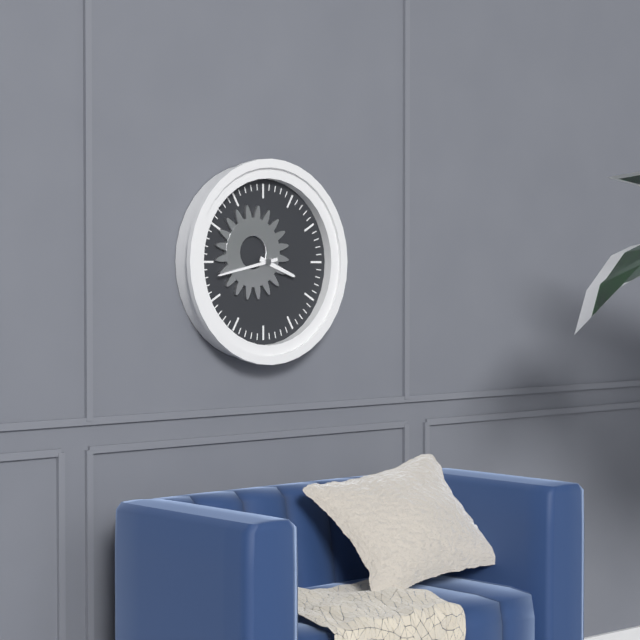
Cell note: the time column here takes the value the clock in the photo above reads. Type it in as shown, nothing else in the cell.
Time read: 3:43
